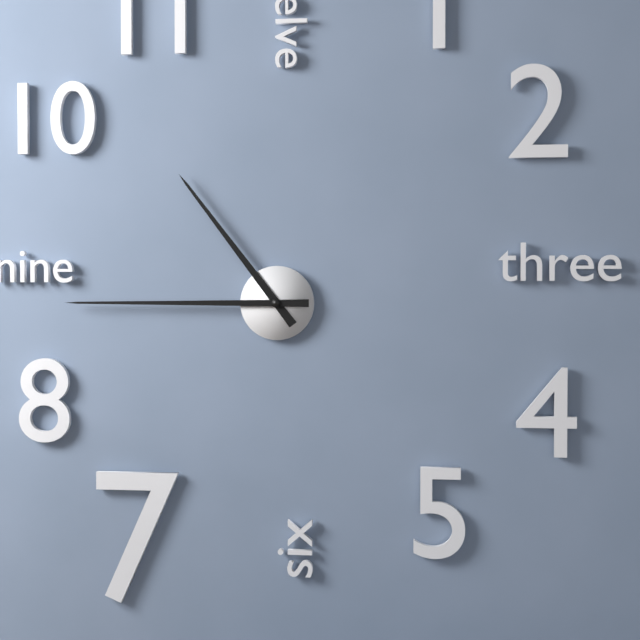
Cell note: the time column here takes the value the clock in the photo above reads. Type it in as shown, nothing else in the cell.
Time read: 10:45
